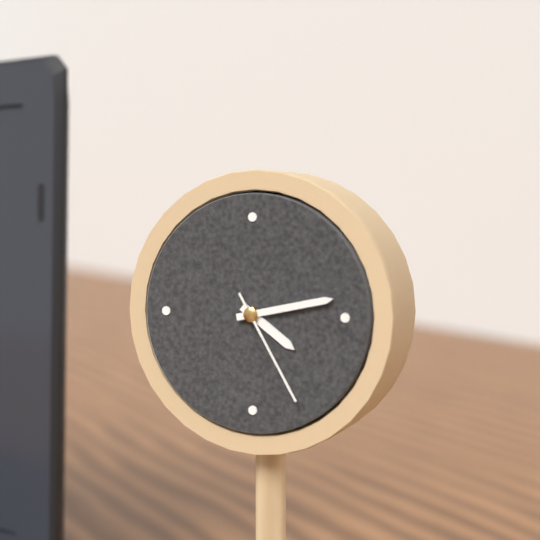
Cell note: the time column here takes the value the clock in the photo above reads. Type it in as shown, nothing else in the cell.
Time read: 4:13:25
